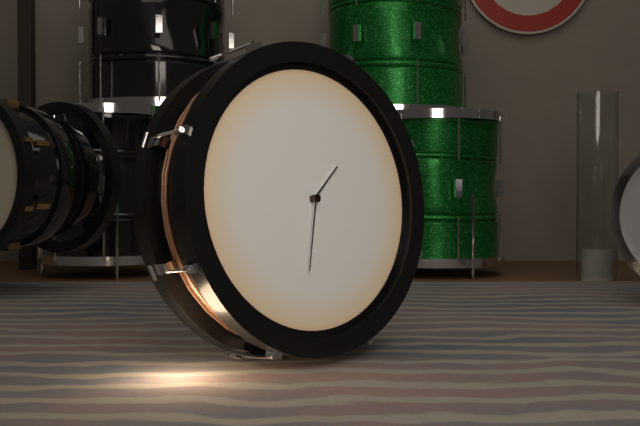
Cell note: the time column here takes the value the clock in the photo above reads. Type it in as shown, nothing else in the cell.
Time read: 1:32
